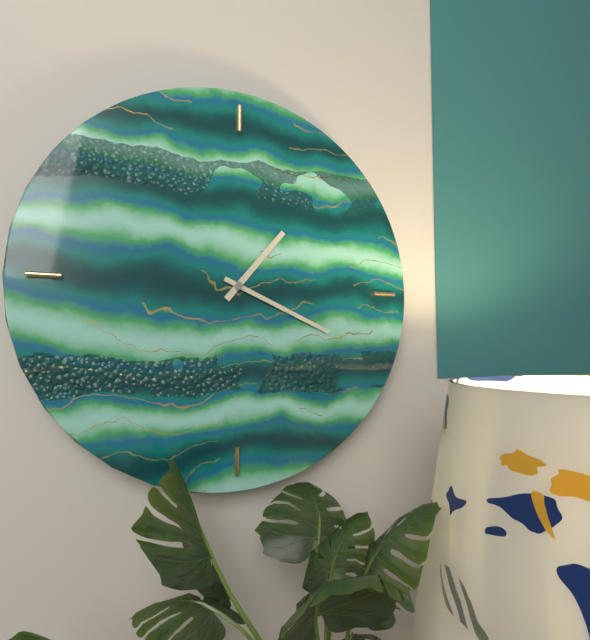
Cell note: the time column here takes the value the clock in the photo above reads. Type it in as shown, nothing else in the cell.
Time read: 1:19
